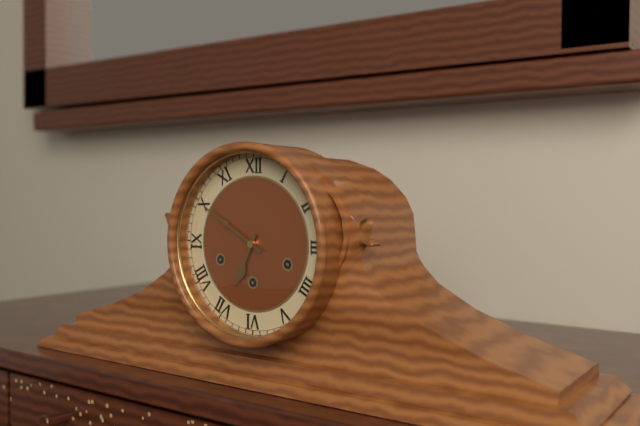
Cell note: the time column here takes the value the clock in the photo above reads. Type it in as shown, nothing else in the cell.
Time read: 6:50
